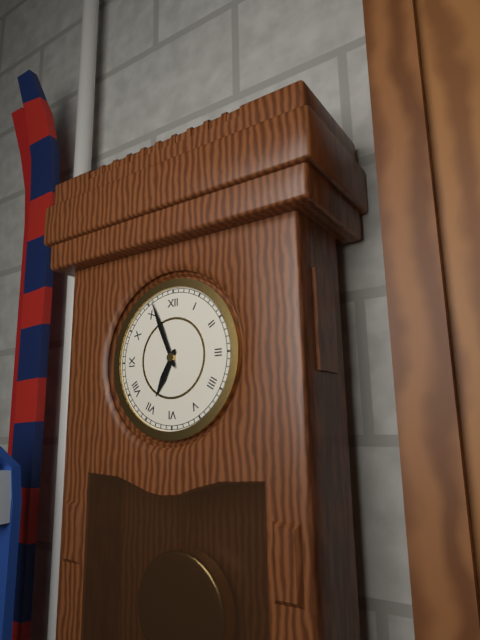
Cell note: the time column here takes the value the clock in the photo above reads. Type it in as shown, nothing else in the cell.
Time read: 6:56
